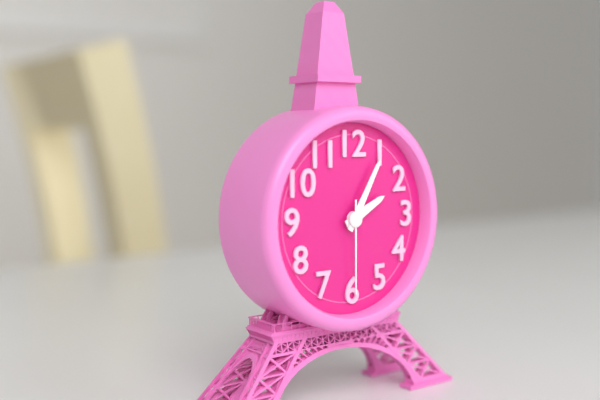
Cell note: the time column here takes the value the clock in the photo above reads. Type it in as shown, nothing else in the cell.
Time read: 2:05:30
